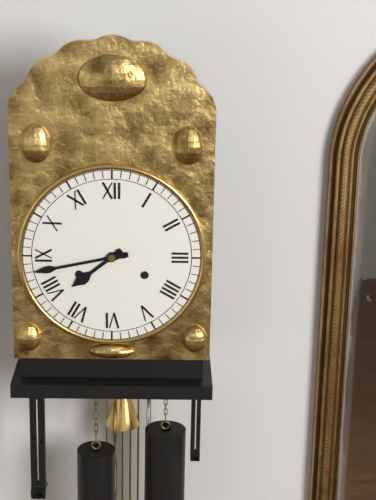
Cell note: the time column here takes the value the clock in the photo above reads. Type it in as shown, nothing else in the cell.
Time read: 7:43
